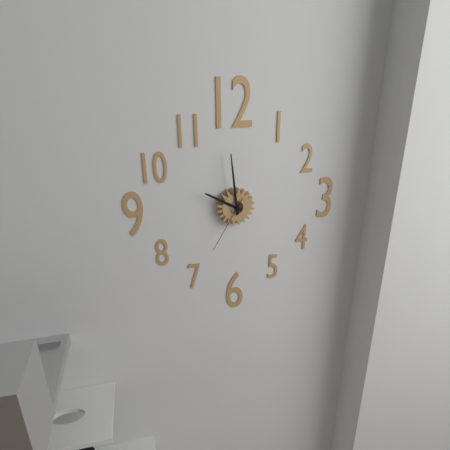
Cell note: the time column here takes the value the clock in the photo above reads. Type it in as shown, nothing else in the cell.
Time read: 9:59:35
